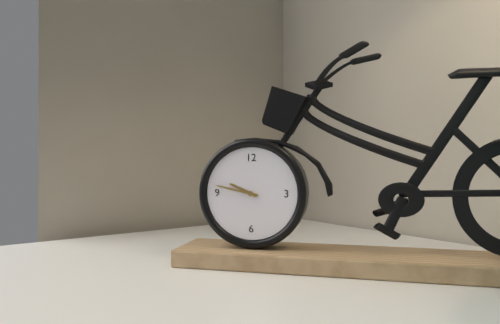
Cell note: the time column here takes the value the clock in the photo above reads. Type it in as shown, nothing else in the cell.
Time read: 9:47
